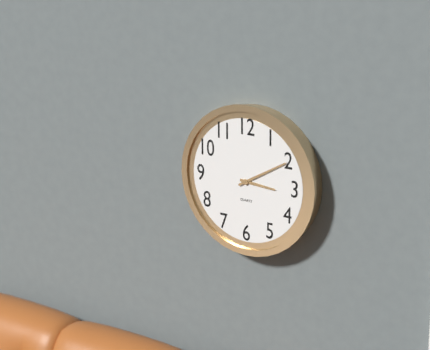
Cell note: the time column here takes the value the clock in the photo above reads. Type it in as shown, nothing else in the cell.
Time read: 3:10
